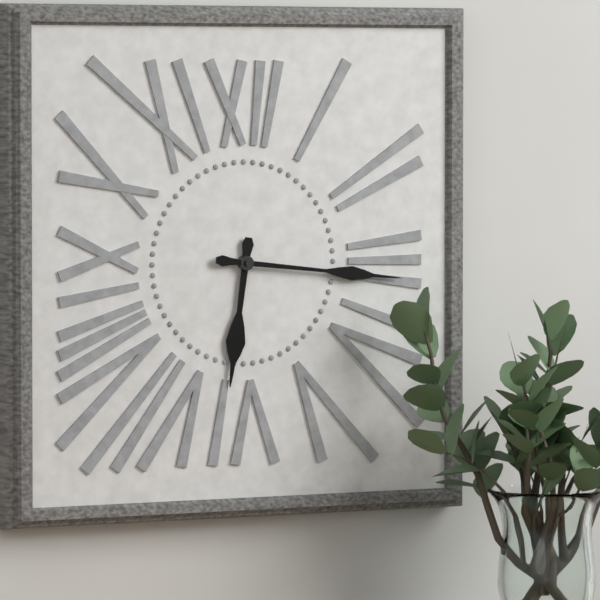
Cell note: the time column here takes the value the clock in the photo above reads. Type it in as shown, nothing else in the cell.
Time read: 6:16
